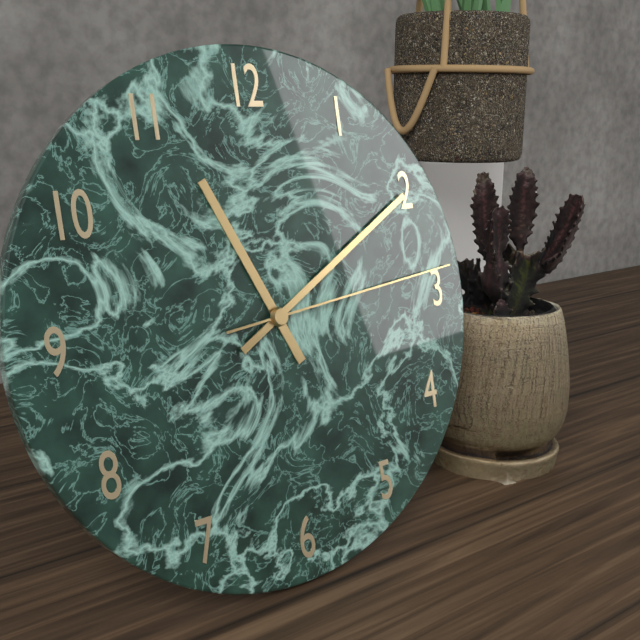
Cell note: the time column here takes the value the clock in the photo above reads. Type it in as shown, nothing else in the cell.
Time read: 11:10:14
